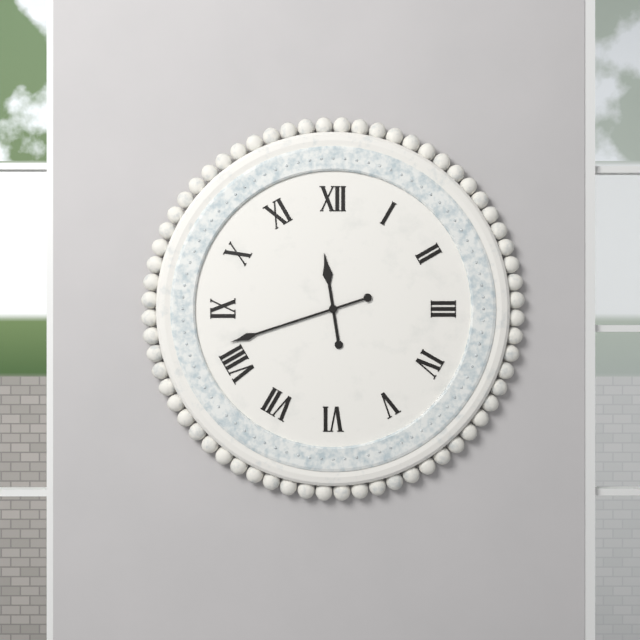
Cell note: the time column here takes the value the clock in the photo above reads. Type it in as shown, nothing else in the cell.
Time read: 11:42
